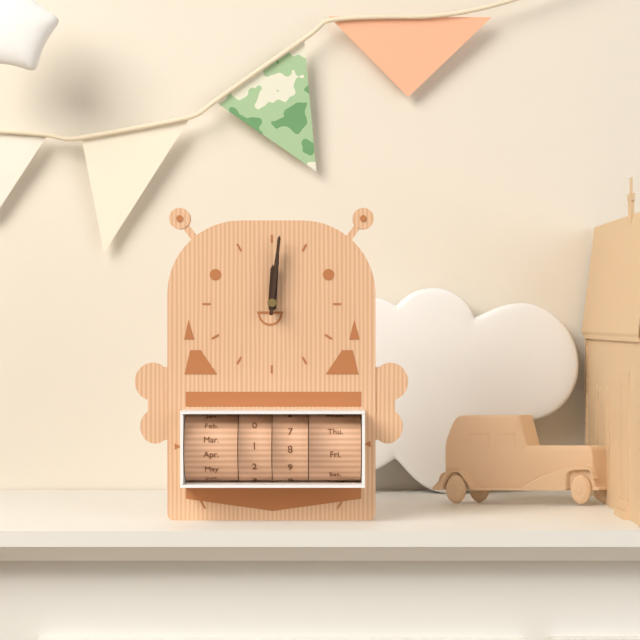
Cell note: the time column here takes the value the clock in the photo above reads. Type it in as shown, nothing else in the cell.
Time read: 12:01:01
